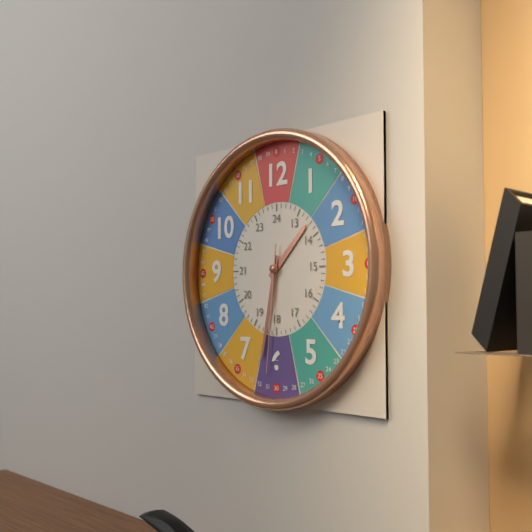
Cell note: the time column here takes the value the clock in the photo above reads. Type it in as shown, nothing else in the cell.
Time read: 1:32:31
